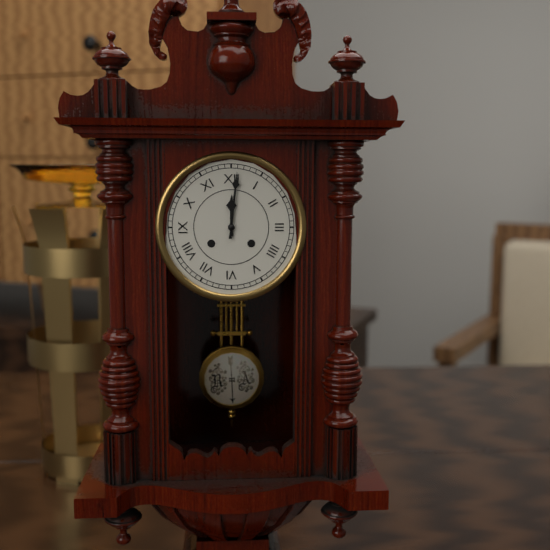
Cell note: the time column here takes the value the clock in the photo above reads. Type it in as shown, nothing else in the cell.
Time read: 12:01
